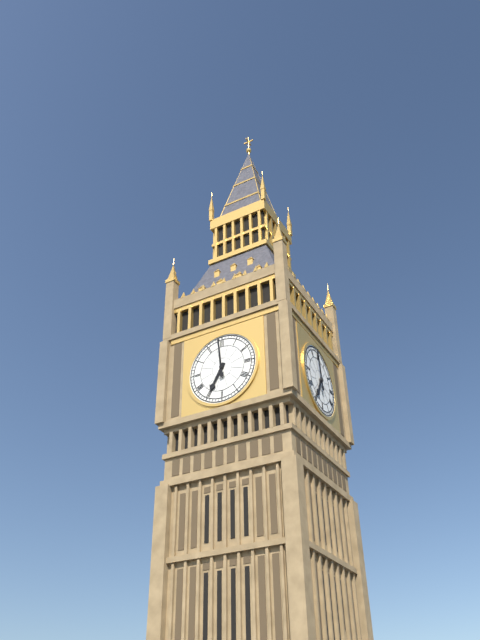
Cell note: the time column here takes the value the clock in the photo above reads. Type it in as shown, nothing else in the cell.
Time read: 6:59
